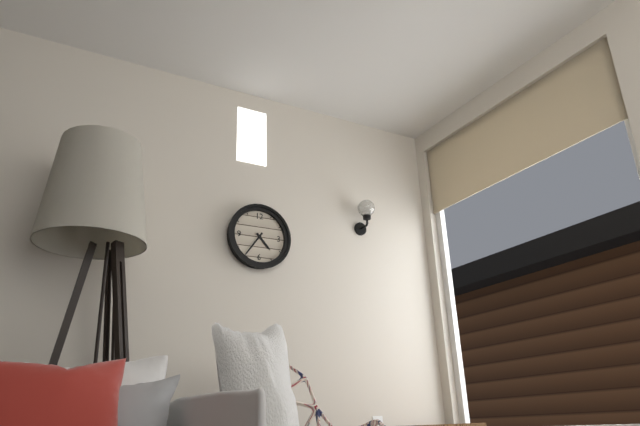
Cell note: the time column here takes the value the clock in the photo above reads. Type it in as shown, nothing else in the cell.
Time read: 4:36
